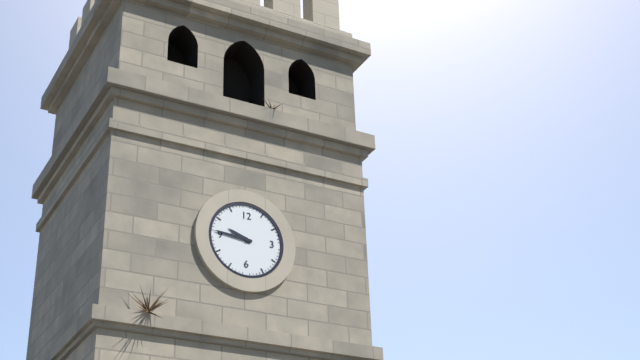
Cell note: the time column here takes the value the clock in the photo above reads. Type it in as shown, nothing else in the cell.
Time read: 9:46
